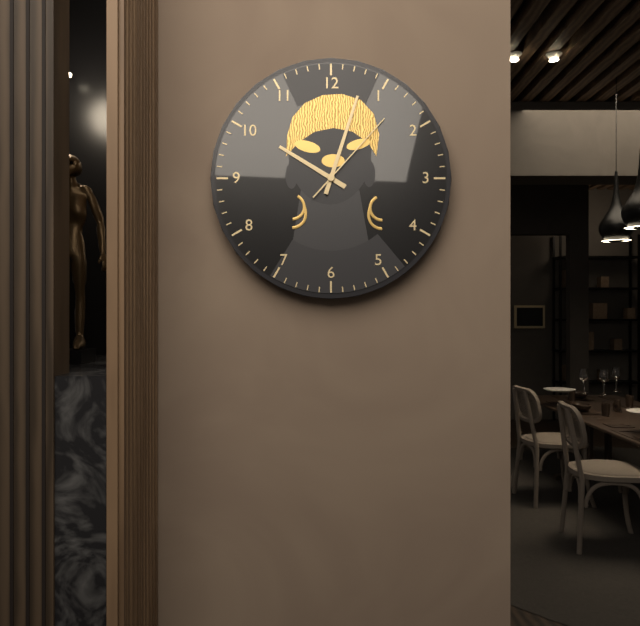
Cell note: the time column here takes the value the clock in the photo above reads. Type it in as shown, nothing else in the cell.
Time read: 10:03:07
